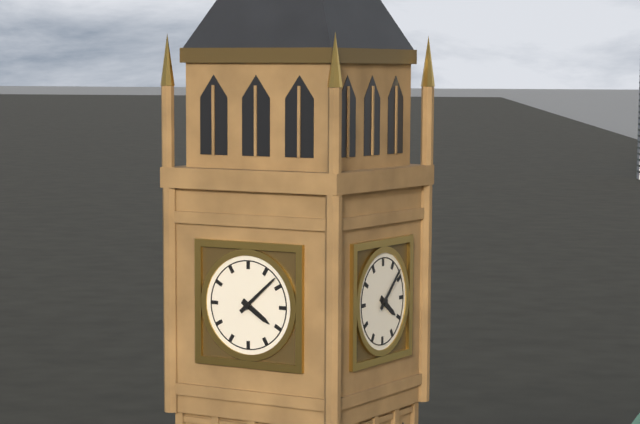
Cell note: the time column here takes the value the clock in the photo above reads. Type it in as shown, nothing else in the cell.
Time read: 4:08
